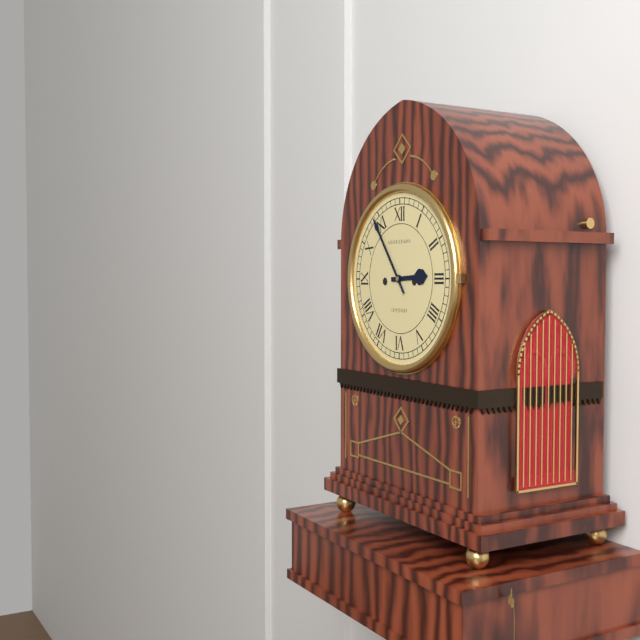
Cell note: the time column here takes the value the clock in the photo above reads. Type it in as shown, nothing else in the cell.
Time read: 2:54
